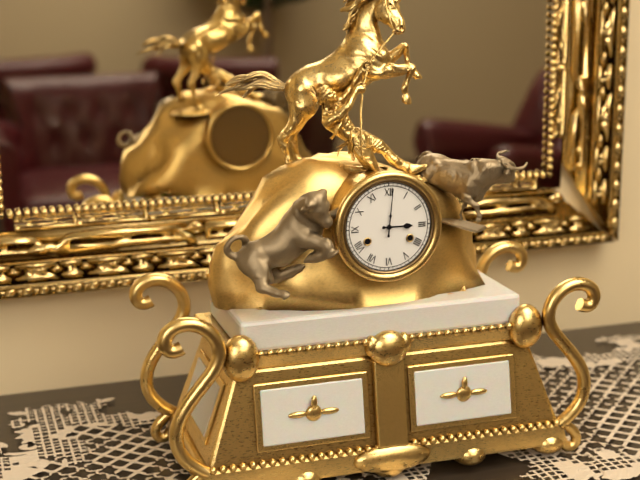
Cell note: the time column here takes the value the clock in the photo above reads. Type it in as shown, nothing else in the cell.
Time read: 3:01
